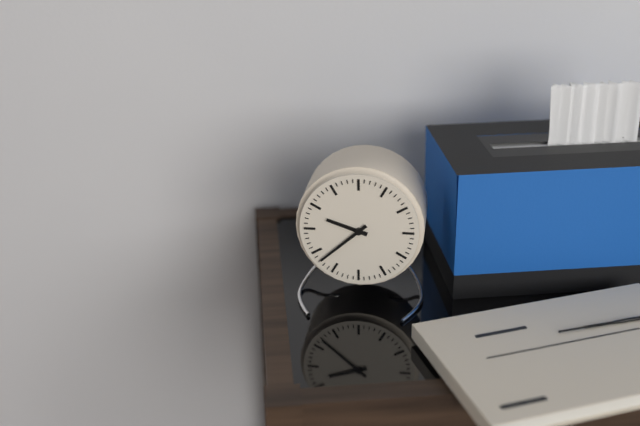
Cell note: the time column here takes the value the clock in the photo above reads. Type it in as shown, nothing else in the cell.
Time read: 9:38
